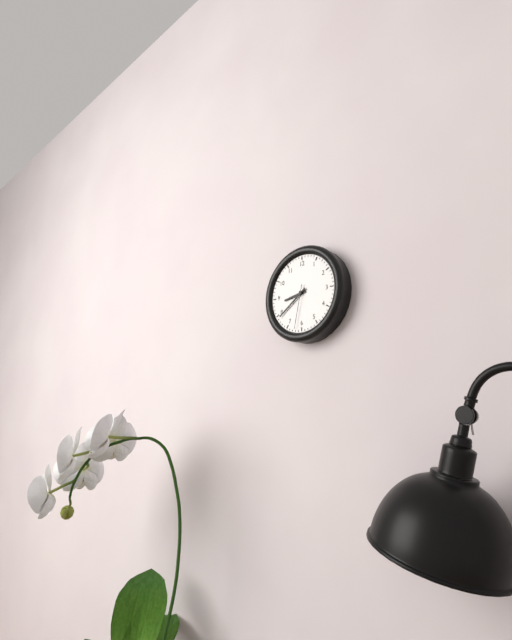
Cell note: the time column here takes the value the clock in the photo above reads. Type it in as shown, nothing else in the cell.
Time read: 8:39
